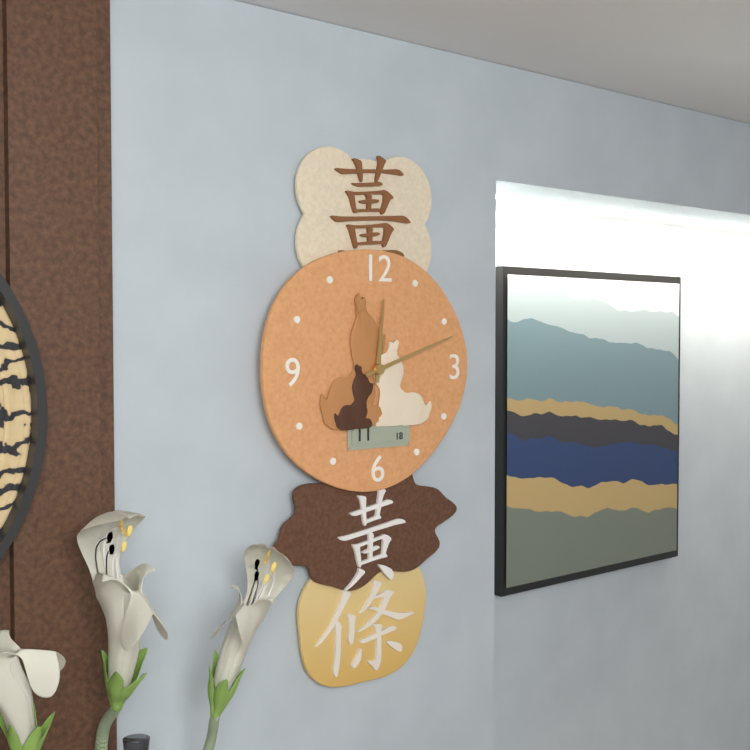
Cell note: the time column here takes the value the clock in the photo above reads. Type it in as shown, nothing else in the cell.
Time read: 12:12
